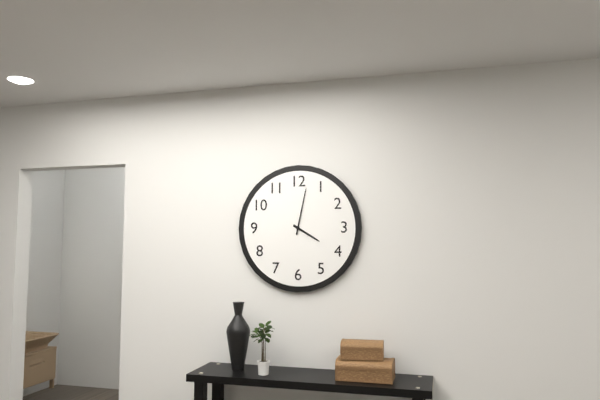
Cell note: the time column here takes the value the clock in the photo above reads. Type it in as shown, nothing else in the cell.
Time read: 4:02
